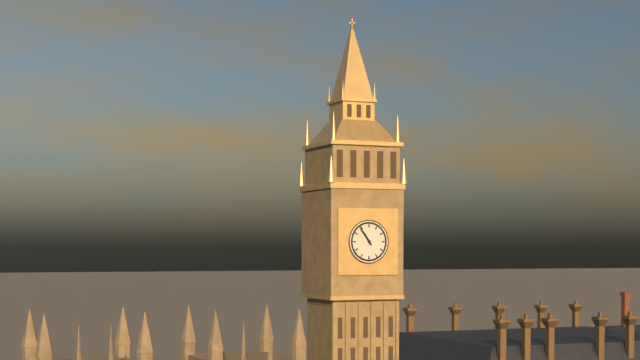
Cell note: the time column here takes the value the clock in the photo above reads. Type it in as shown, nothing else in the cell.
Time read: 10:54
